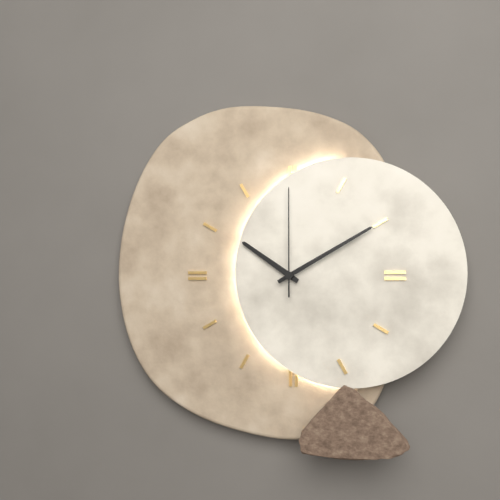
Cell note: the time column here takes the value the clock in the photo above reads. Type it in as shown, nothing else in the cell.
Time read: 10:10:00
